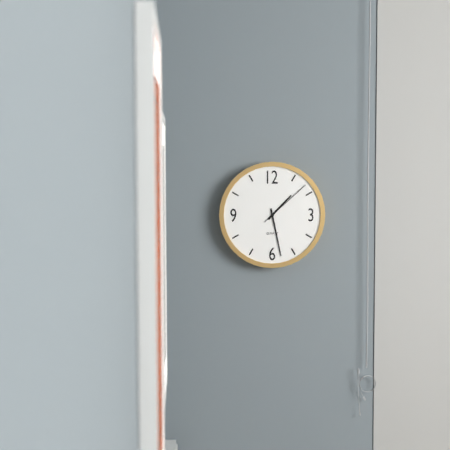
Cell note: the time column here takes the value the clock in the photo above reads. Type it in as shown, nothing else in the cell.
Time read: 1:28:08
